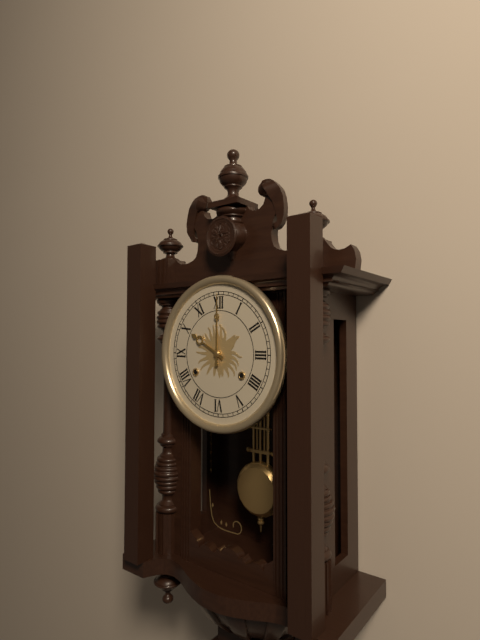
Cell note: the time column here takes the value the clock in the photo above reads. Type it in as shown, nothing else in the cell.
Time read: 10:00
